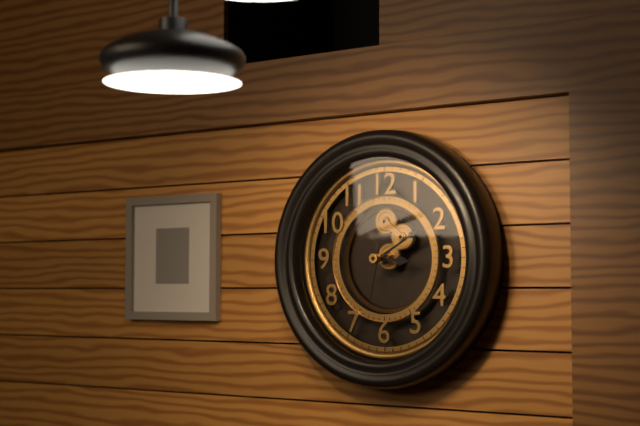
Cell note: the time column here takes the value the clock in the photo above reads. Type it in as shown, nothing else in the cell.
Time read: 3:10:32
